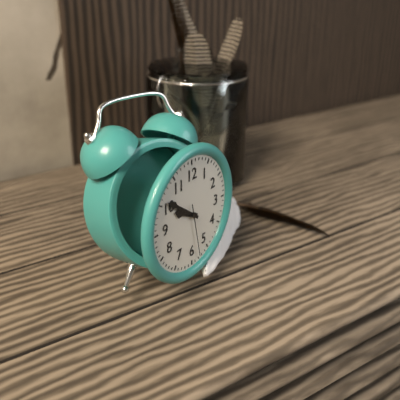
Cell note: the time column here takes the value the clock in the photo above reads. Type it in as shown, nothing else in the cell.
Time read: 9:51:28
